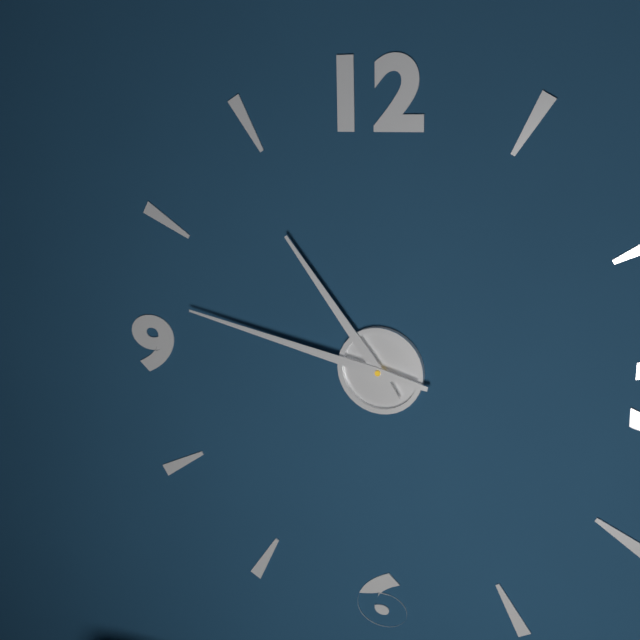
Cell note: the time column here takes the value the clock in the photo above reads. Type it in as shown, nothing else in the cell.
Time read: 10:47
